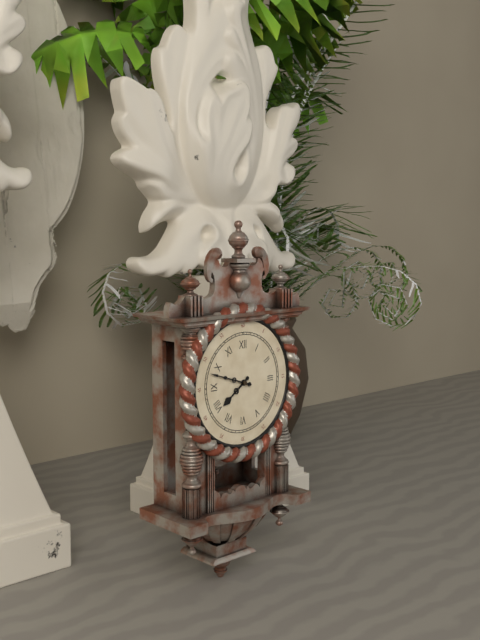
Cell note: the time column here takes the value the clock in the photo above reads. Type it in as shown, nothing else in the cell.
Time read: 7:48
